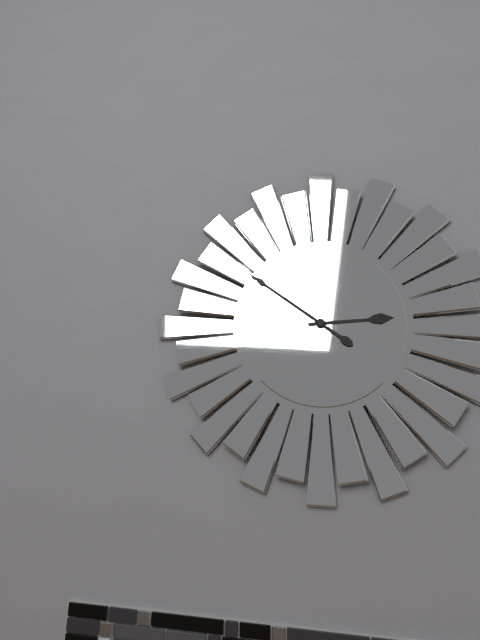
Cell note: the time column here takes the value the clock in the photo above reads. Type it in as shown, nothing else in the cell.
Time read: 2:51
